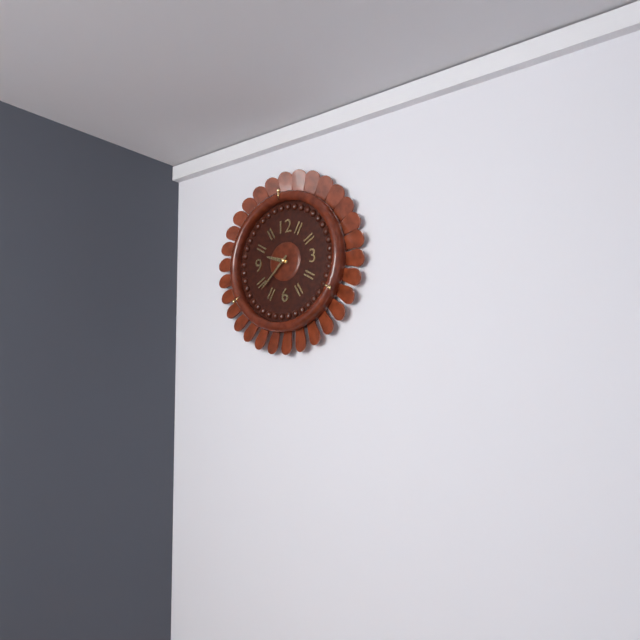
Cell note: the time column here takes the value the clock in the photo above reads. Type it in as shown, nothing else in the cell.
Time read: 9:38
